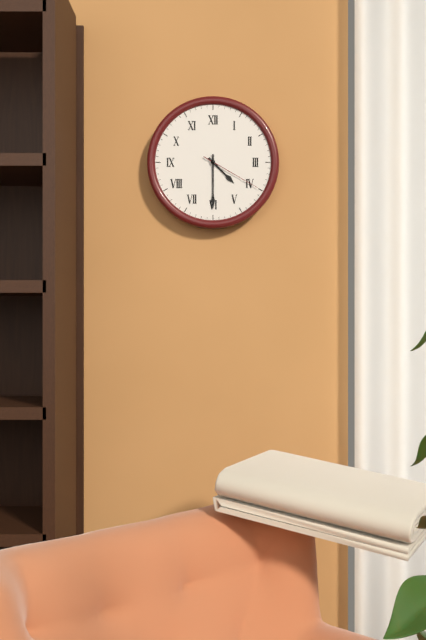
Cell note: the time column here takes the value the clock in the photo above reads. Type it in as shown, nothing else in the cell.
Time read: 4:30:20
